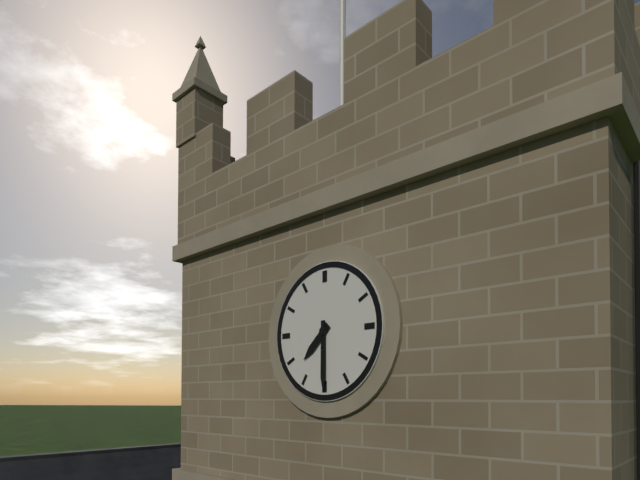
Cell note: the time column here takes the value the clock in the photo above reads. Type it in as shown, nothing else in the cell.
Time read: 7:30
